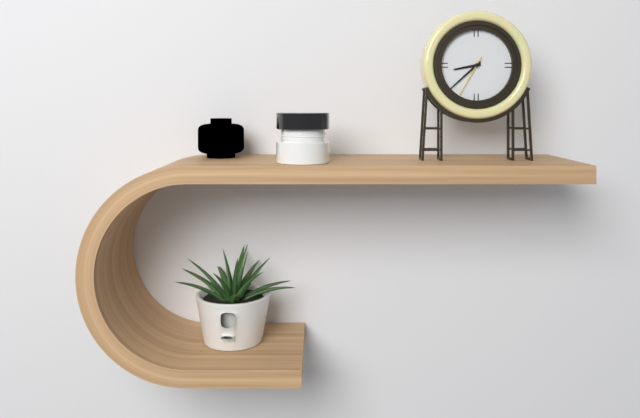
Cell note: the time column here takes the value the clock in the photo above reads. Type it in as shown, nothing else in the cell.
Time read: 8:38
